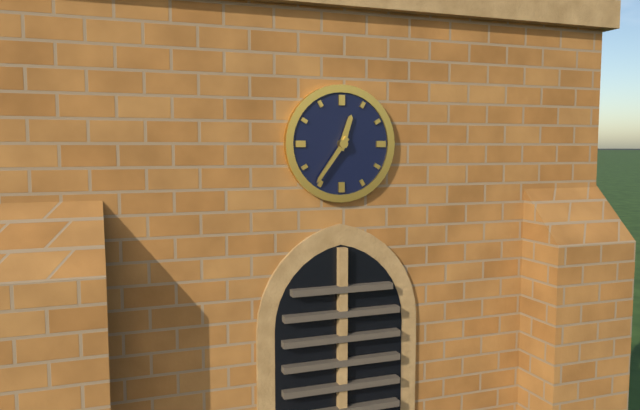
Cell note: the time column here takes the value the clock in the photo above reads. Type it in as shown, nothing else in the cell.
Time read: 12:36
